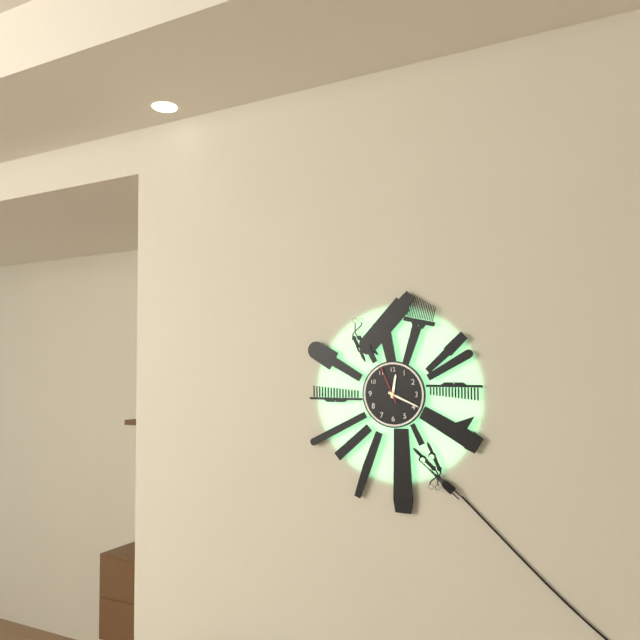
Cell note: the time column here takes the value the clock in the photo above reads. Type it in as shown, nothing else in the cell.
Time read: 12:19
